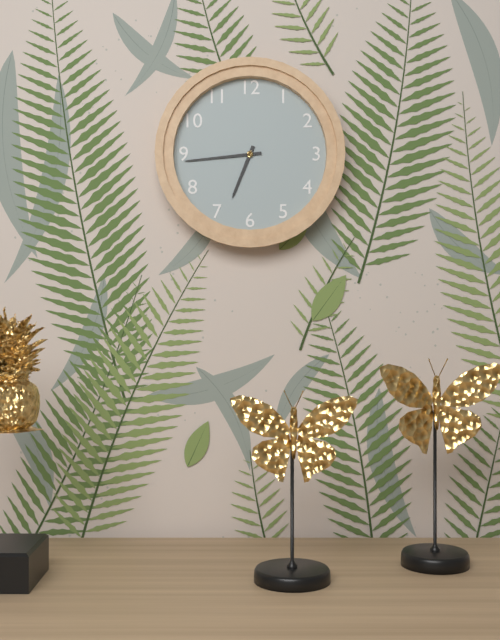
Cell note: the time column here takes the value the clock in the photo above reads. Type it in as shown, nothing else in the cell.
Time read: 6:44
